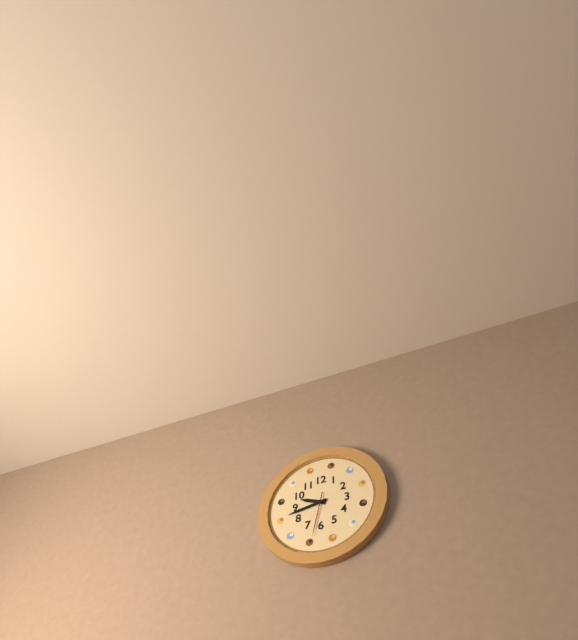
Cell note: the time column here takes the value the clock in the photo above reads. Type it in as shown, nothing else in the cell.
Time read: 9:43
